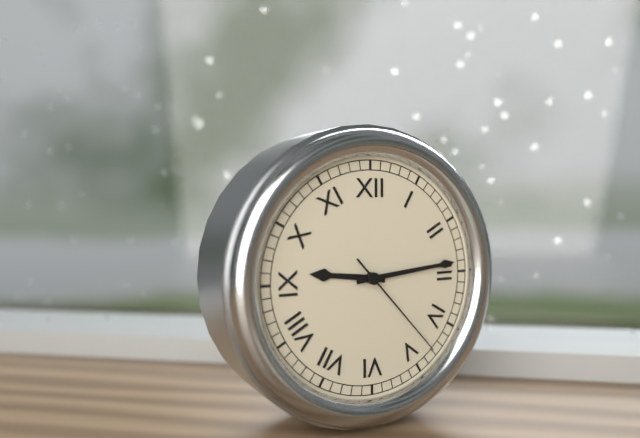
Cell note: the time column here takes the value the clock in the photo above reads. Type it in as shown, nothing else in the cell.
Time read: 9:14:23
